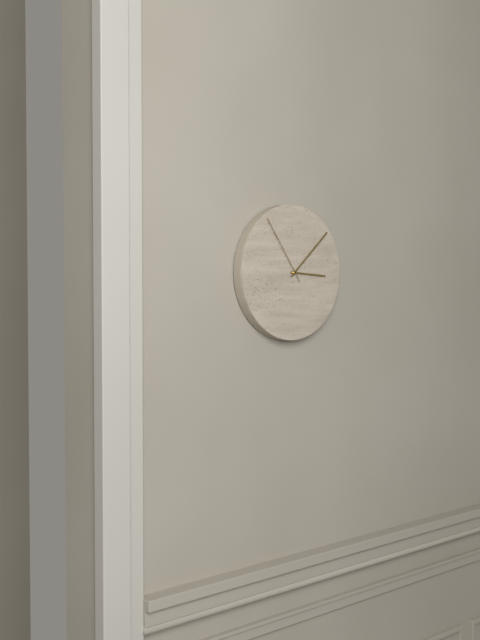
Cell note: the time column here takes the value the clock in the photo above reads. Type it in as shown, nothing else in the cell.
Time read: 3:08:54
